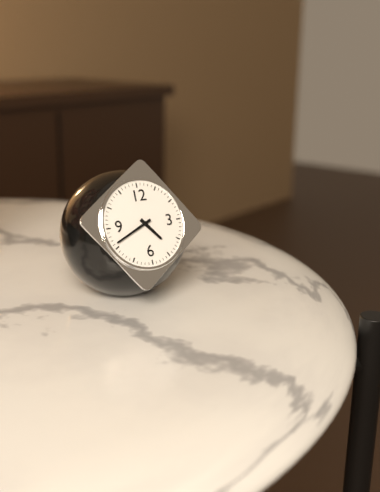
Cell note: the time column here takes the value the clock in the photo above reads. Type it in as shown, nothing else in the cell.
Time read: 4:41
